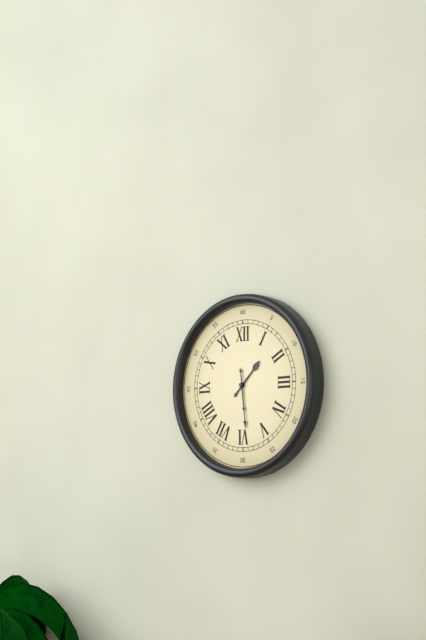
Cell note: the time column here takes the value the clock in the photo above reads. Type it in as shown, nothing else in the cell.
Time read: 1:29
